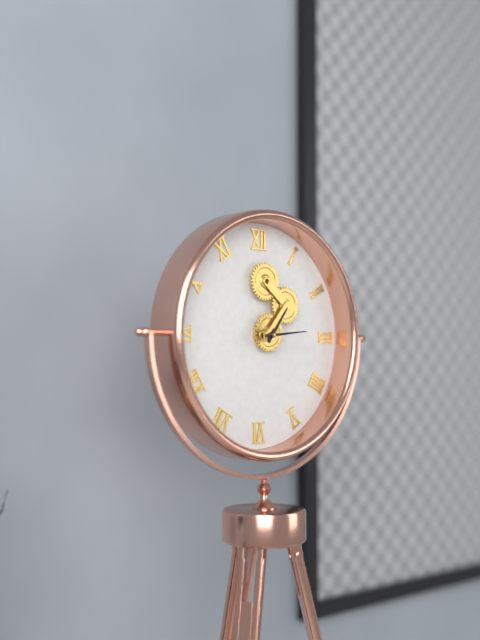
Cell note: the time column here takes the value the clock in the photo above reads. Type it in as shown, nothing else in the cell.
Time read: 1:14
